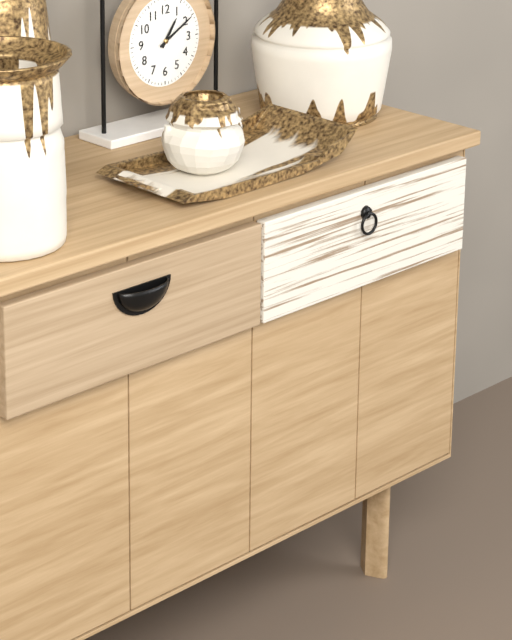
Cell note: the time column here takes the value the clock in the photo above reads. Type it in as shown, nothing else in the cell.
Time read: 1:10
